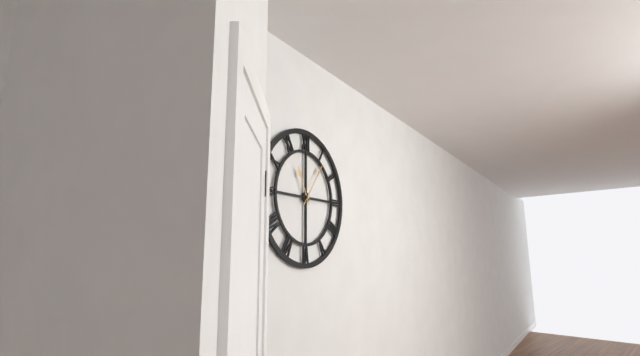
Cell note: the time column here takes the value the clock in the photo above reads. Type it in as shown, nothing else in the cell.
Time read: 11:06
